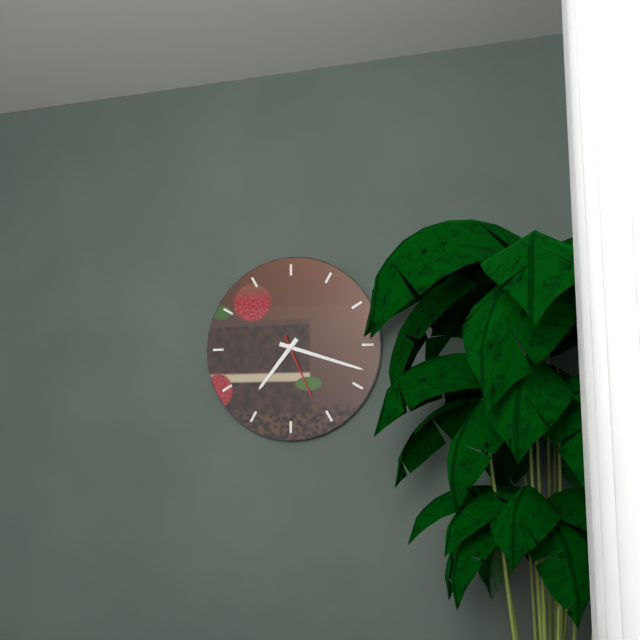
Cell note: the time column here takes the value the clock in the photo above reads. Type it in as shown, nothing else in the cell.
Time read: 7:18:26
